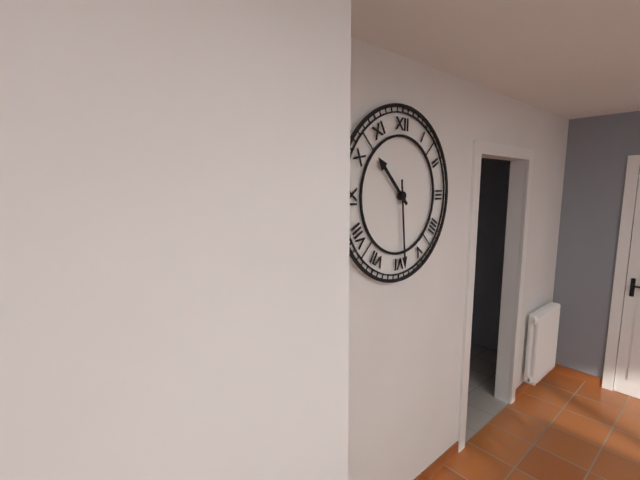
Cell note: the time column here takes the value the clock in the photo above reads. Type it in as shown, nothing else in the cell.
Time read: 10:29
